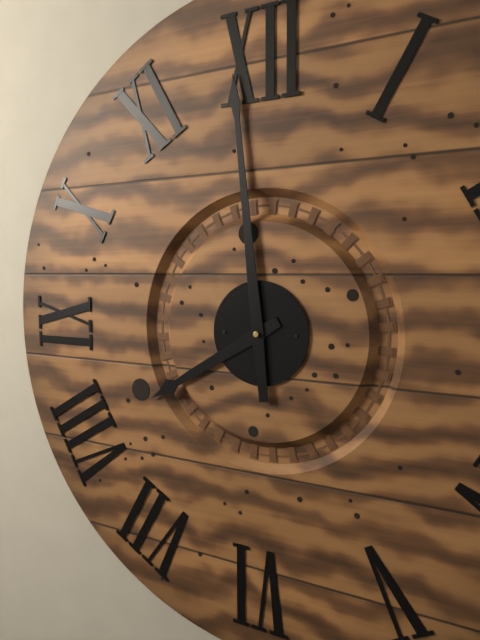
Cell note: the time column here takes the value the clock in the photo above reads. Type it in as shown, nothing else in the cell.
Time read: 7:59
